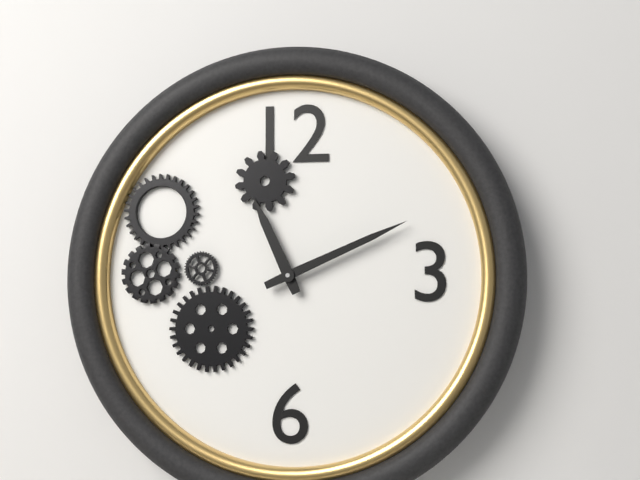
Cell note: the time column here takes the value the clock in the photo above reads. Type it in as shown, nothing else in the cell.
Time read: 11:11
